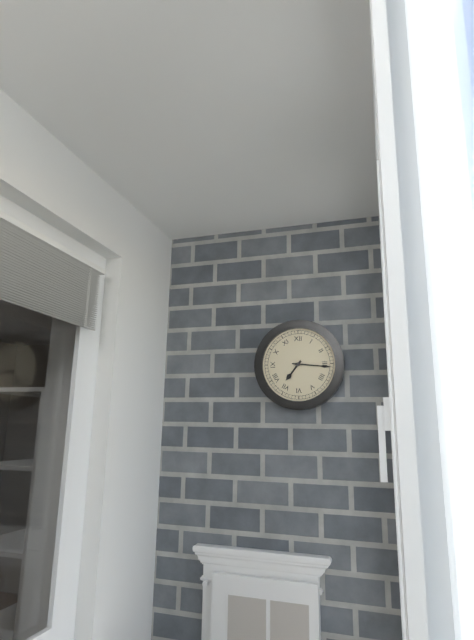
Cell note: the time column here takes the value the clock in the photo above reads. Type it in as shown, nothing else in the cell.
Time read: 7:16
